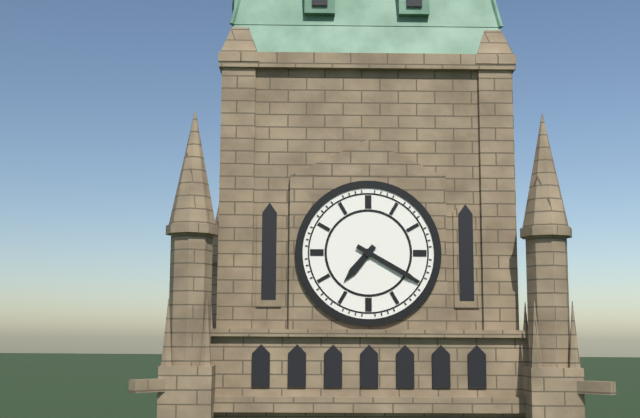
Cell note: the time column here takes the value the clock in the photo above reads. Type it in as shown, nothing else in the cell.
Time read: 7:20
